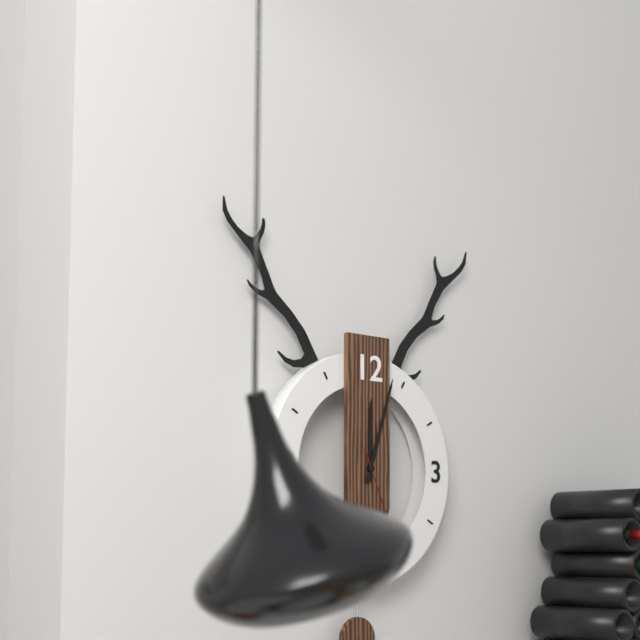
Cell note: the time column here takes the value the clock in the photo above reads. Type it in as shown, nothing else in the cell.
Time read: 12:03:26
